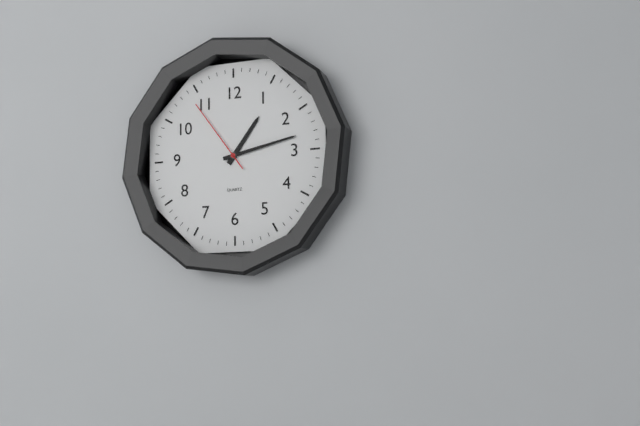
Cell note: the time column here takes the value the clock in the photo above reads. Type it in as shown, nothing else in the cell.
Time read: 1:13:54
